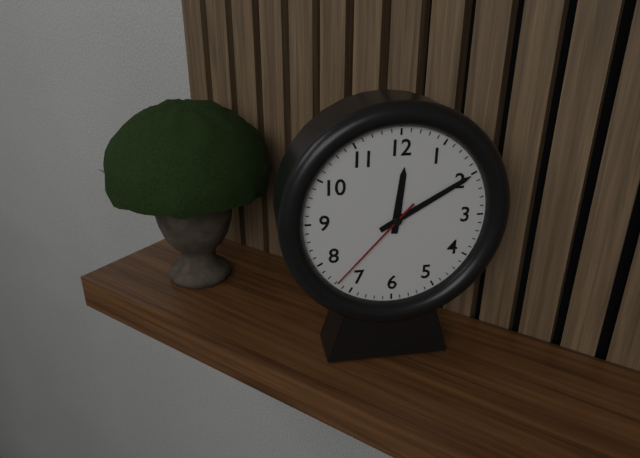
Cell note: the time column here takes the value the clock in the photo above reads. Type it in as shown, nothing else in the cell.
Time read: 12:10:37
